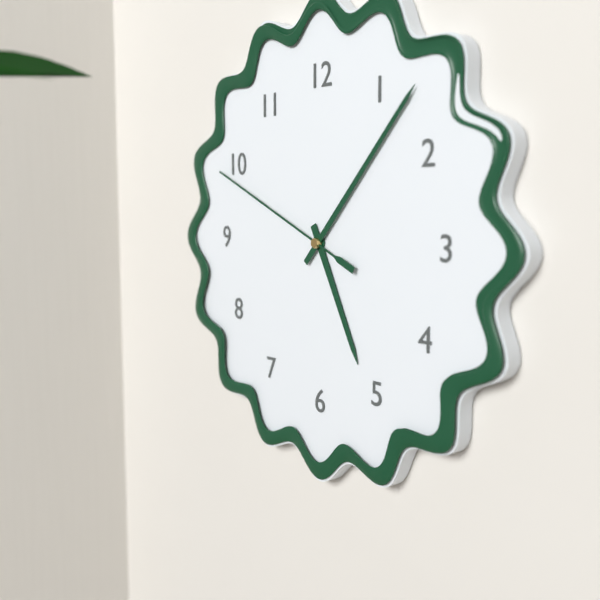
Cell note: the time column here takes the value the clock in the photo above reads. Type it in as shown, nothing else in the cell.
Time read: 5:07:49
